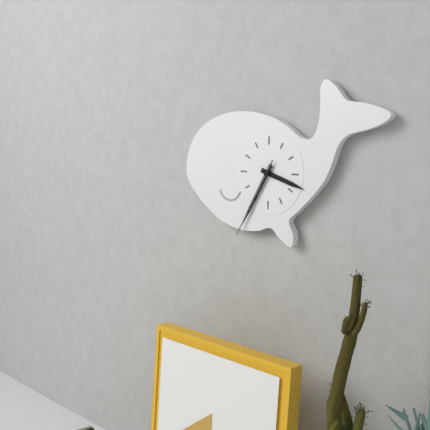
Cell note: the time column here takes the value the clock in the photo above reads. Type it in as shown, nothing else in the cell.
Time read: 3:35:35
